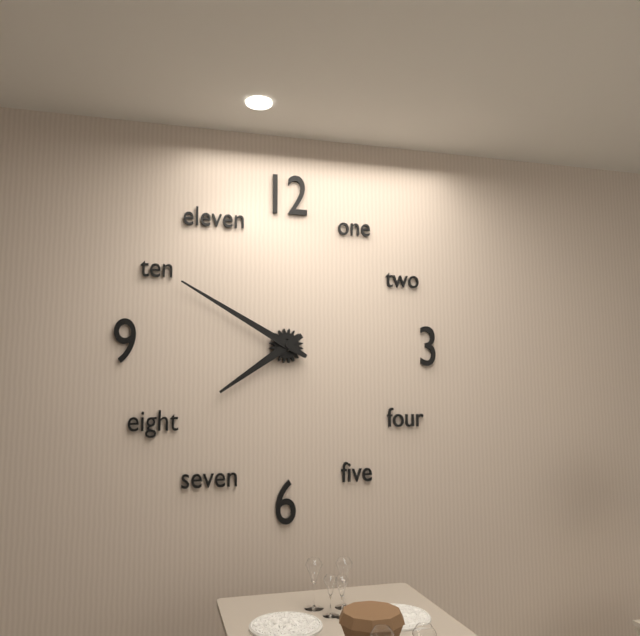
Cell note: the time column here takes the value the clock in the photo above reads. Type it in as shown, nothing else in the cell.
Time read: 7:50
